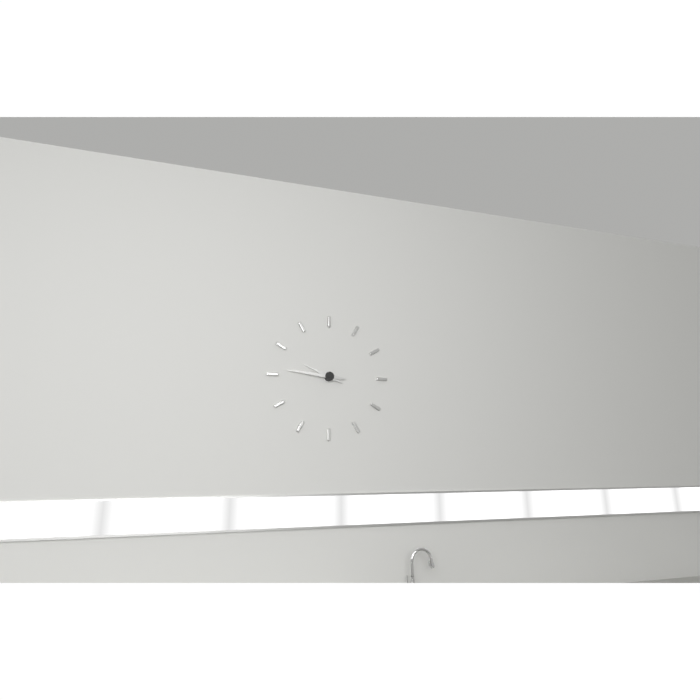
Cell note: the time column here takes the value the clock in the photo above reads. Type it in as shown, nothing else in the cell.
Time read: 9:46
